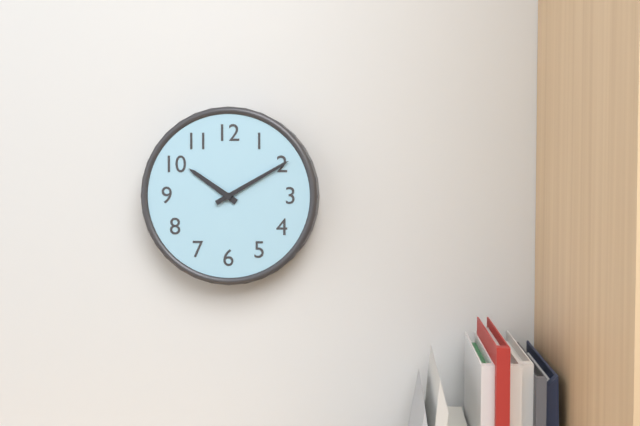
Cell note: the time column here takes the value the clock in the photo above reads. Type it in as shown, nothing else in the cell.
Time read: 10:10
